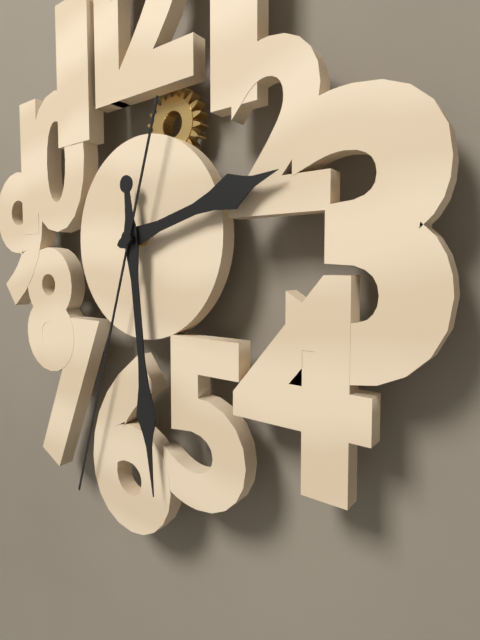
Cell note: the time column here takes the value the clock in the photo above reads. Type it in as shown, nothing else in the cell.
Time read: 2:29:33
